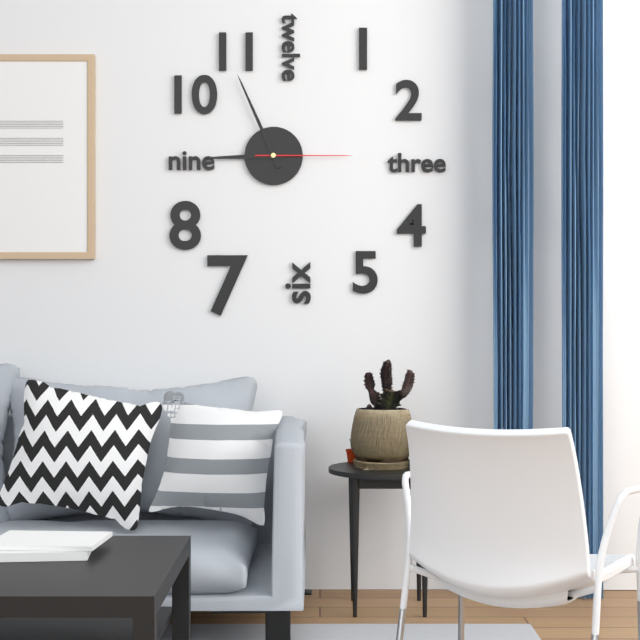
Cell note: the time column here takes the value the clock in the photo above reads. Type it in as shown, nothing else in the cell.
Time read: 8:56:15
